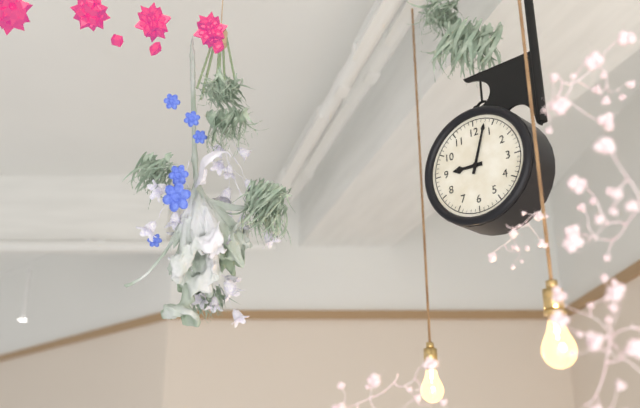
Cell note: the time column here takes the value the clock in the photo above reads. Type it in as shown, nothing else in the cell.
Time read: 9:03
